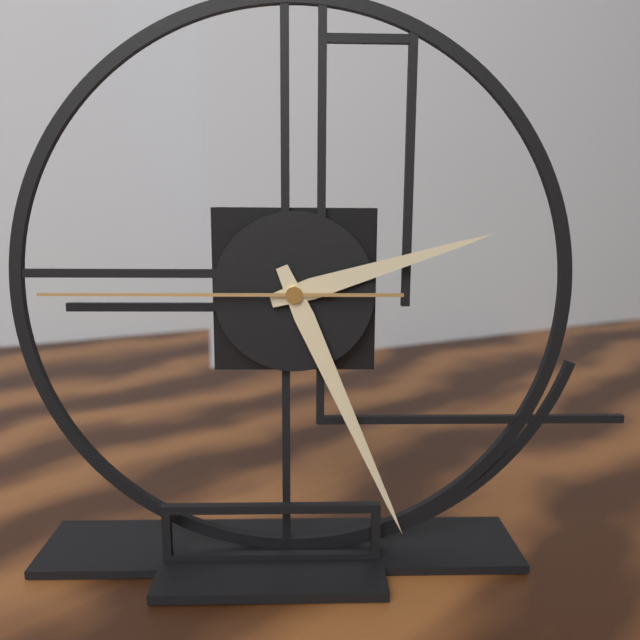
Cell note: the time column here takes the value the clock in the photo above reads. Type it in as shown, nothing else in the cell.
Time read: 2:26:45
